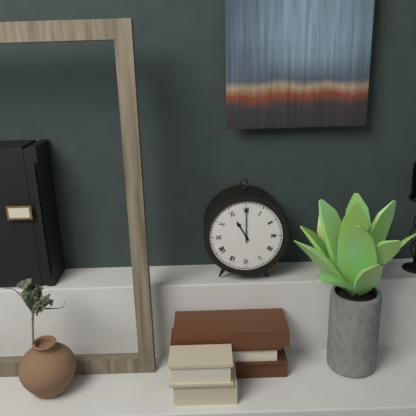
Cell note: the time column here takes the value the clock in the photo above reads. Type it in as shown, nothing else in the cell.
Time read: 11:00
